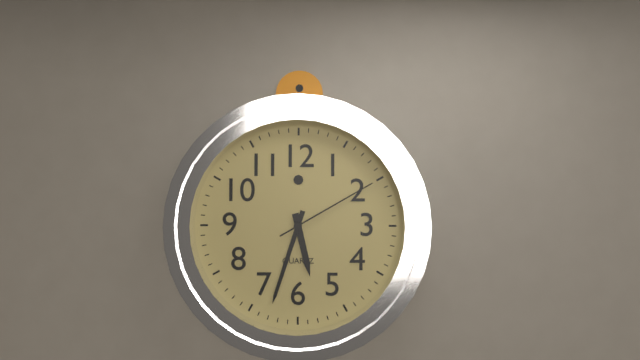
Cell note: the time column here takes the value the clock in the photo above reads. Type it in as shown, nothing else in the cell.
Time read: 5:33:10
